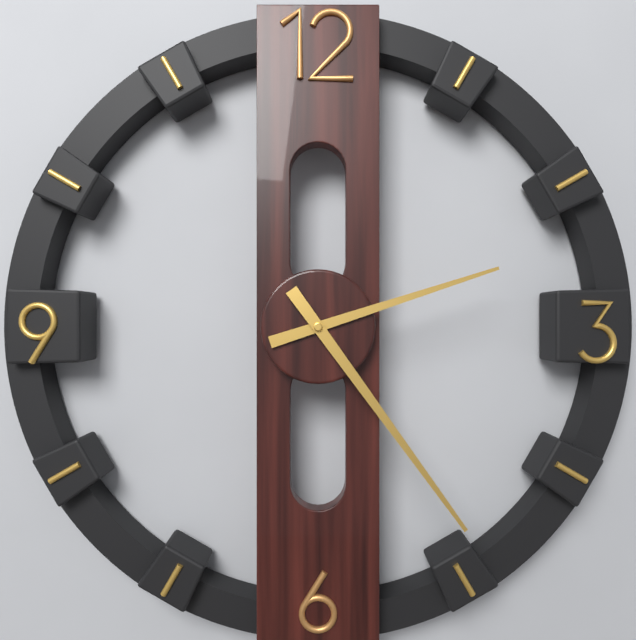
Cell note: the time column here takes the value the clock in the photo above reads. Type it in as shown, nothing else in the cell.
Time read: 2:24
